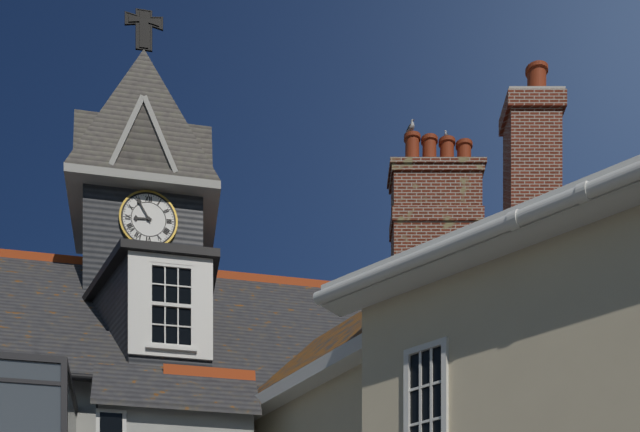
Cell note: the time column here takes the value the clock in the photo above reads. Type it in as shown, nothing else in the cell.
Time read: 8:55
